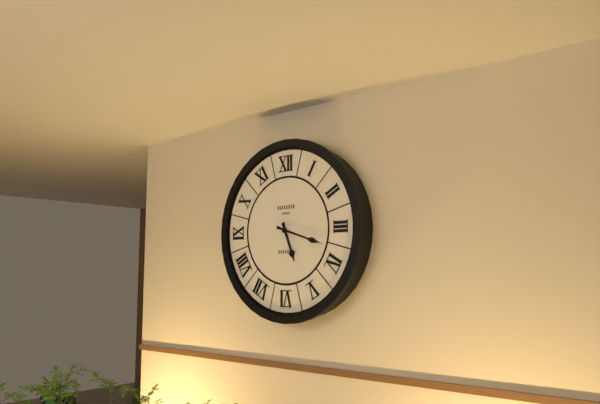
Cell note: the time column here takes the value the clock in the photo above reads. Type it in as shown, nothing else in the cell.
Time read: 5:18
